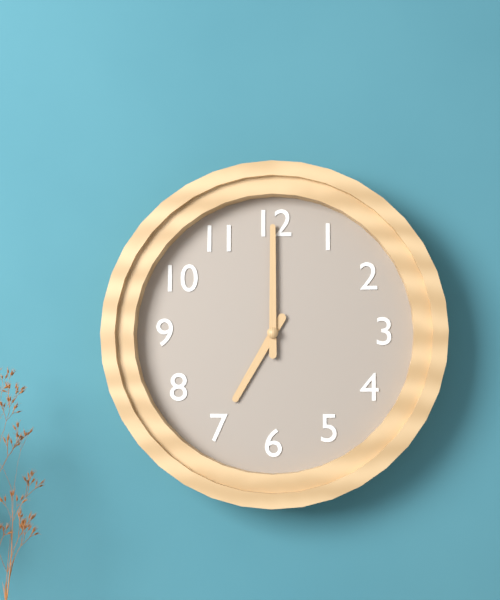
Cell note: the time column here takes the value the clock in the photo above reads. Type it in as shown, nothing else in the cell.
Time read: 7:00
